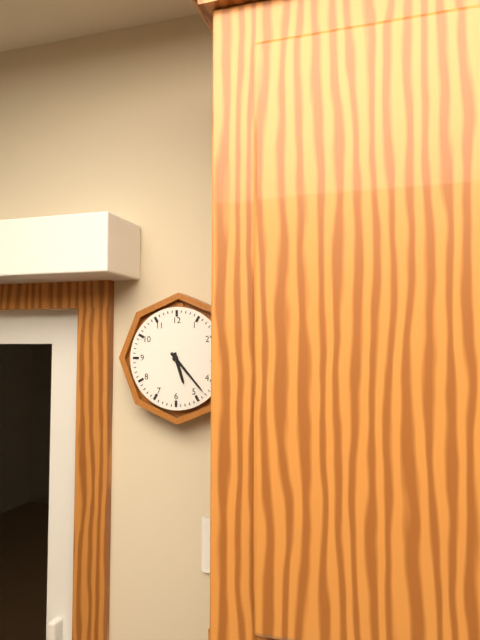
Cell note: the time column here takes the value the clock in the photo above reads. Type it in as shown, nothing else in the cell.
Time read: 5:23
